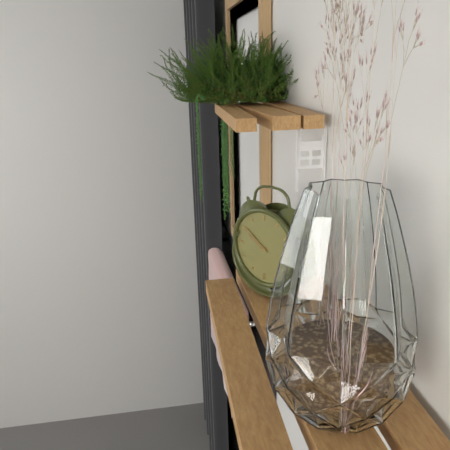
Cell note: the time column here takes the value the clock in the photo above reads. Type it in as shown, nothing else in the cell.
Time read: 9:51
